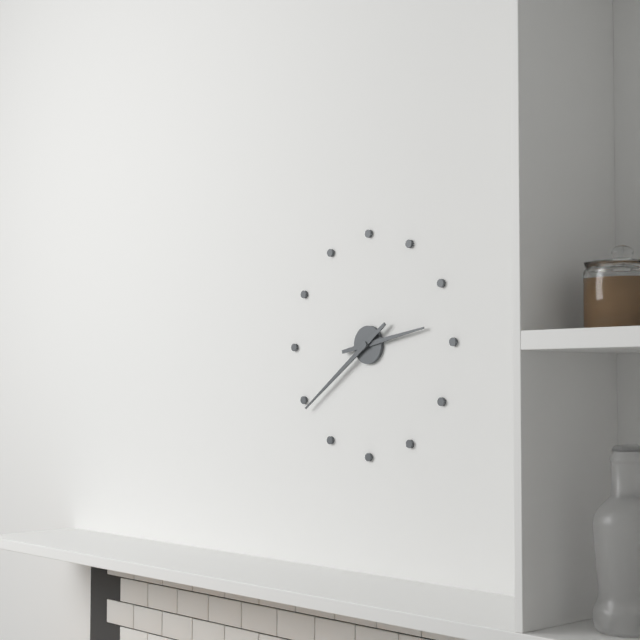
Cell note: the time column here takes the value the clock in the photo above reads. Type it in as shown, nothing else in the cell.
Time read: 2:39
